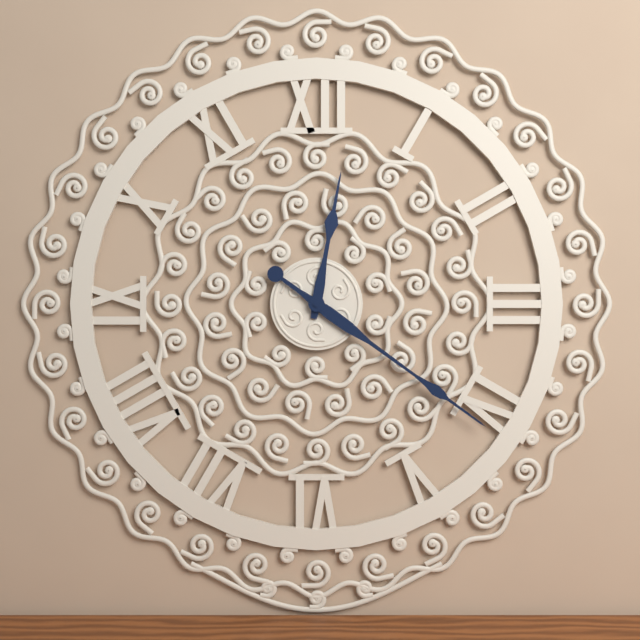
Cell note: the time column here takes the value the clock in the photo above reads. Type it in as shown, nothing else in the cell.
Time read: 12:21
